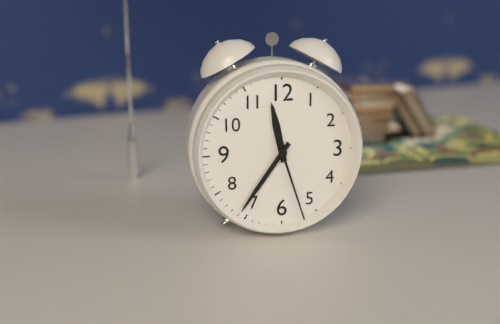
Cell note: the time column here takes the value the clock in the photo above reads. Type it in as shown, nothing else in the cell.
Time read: 11:36:27
